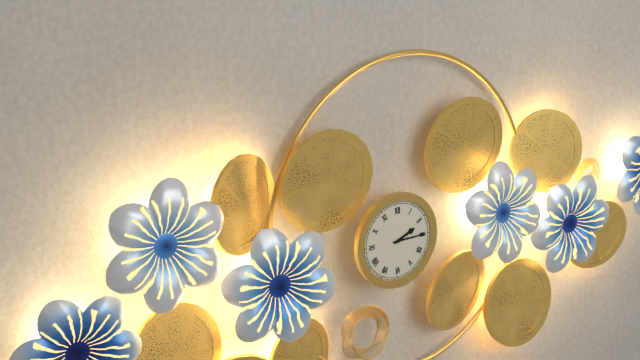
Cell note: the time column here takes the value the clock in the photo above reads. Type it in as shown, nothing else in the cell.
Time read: 2:15
